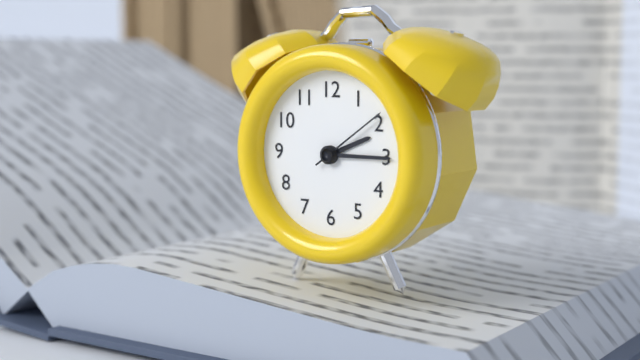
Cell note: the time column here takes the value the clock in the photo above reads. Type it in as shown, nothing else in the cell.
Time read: 2:15:09
